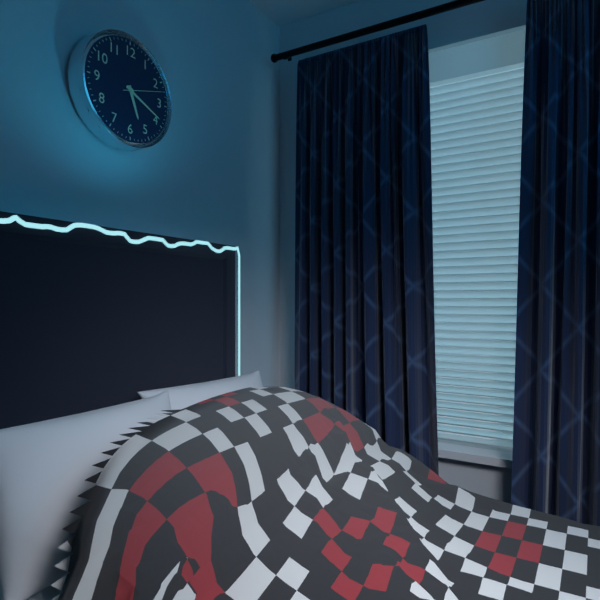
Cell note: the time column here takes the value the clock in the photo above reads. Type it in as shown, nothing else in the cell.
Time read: 5:19
